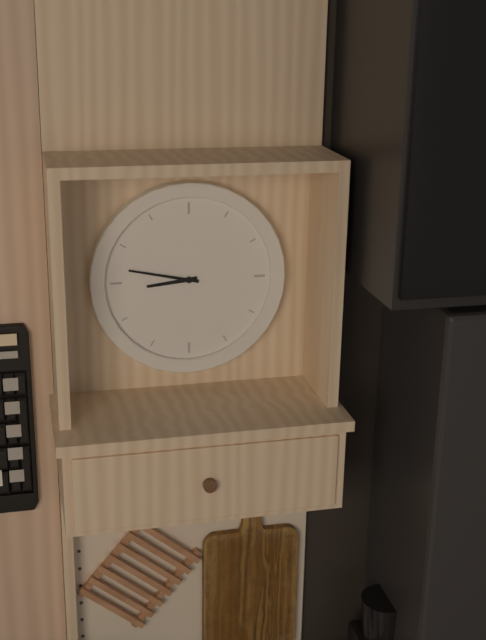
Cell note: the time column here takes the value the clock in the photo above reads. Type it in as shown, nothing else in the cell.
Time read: 8:47
